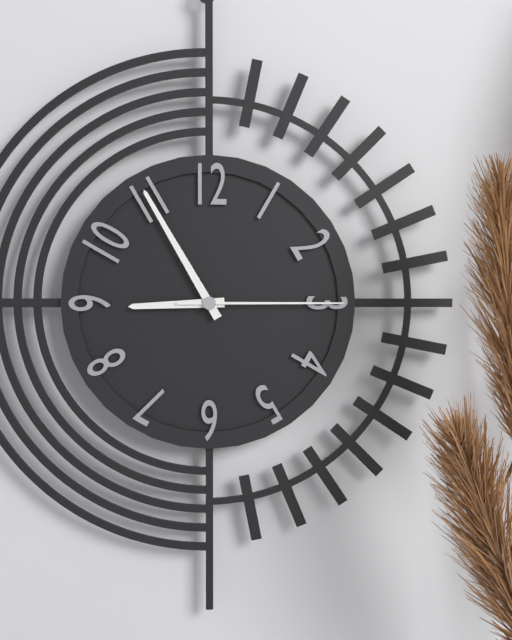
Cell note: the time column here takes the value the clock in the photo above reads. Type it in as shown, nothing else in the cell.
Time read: 8:55:15
